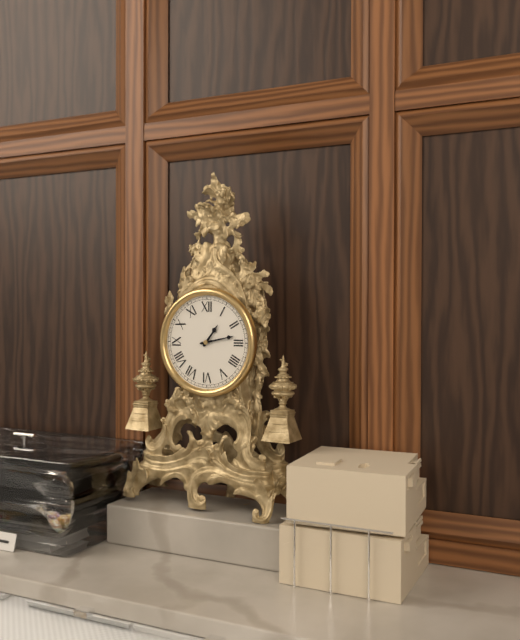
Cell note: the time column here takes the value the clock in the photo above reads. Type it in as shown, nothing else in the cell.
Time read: 1:13
